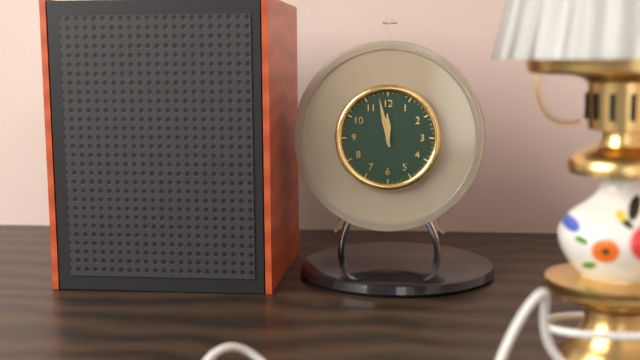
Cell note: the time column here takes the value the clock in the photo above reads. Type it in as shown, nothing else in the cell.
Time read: 11:58
